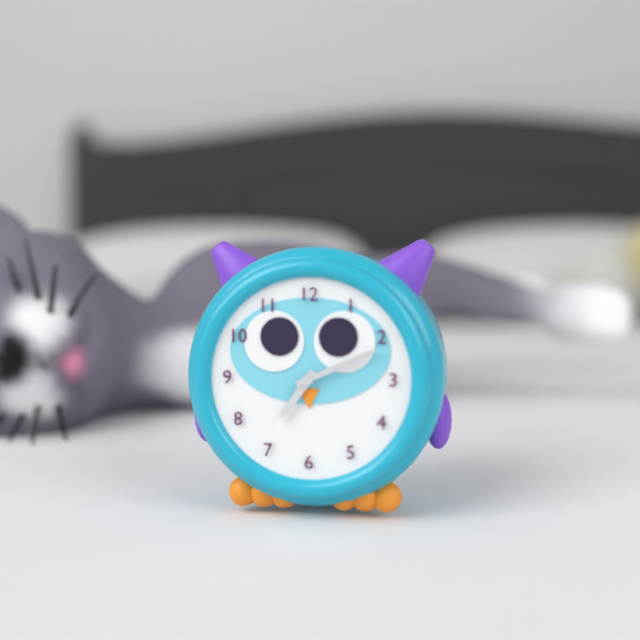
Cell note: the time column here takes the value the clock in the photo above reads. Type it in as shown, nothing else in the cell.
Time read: 7:11
